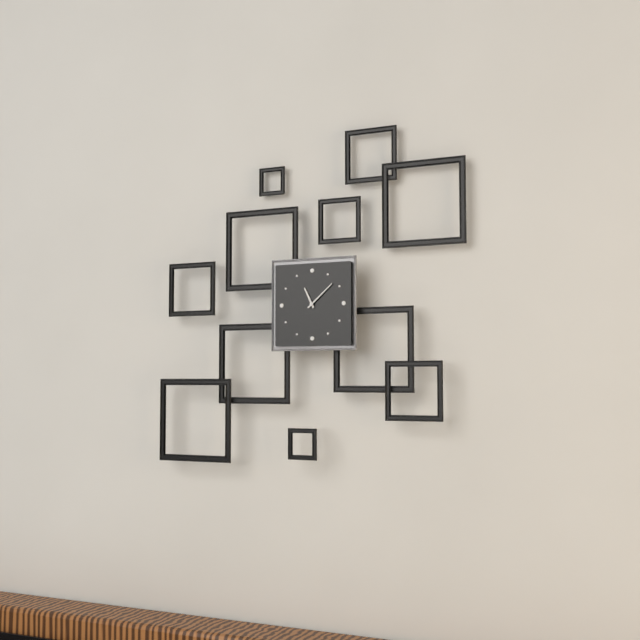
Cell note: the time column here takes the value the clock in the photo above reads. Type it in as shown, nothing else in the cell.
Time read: 11:08
